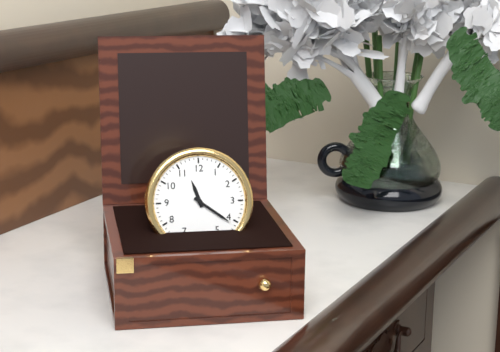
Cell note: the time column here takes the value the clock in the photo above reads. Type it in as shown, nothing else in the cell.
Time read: 11:21
